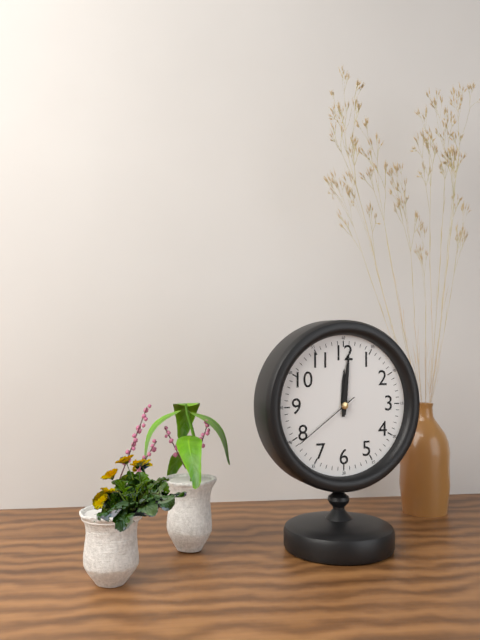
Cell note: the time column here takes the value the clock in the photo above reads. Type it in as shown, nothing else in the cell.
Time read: 12:01:39
